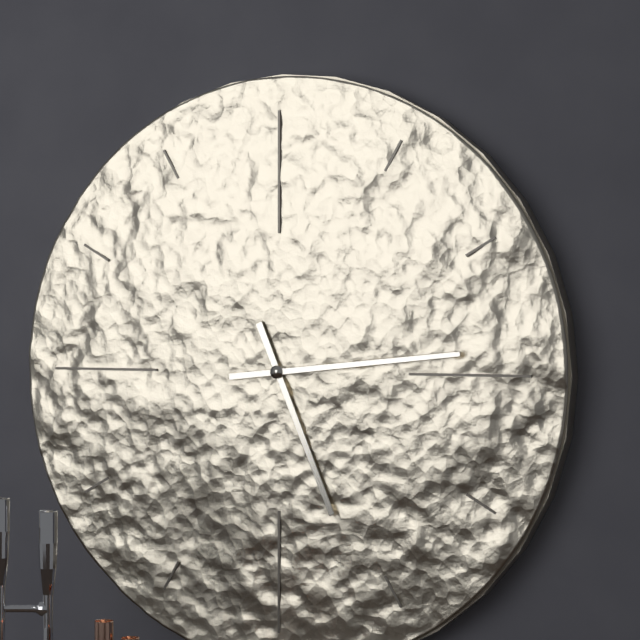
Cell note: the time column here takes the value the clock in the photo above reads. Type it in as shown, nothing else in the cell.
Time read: 5:14
